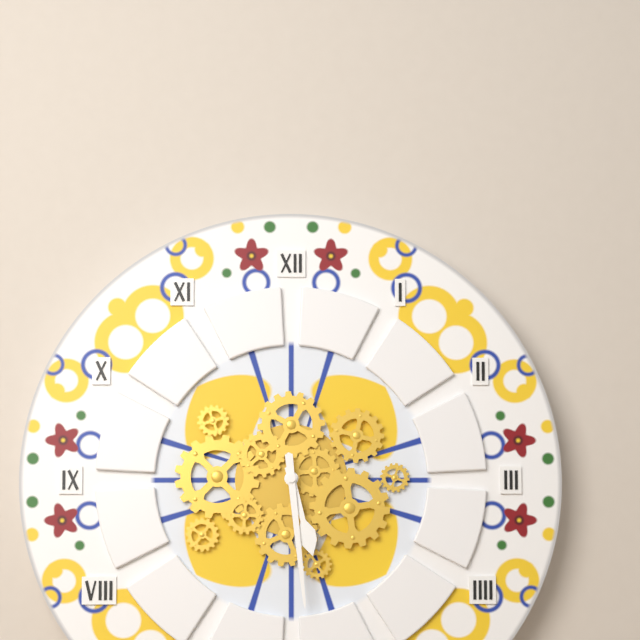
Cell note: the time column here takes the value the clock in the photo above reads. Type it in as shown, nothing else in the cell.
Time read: 5:29
